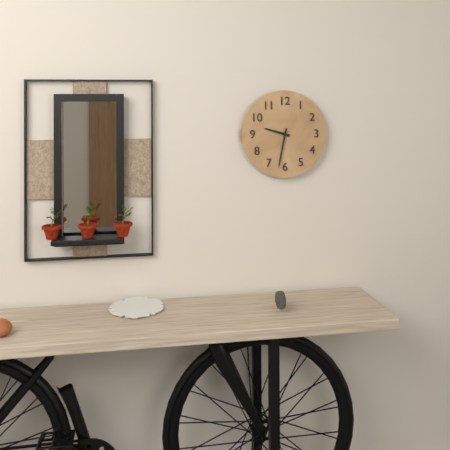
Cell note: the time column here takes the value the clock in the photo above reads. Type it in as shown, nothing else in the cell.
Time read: 9:32
